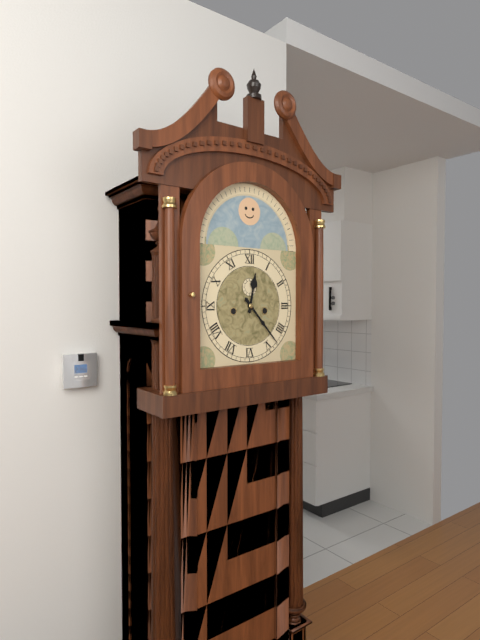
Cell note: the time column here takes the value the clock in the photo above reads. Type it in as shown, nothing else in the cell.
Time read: 12:23
